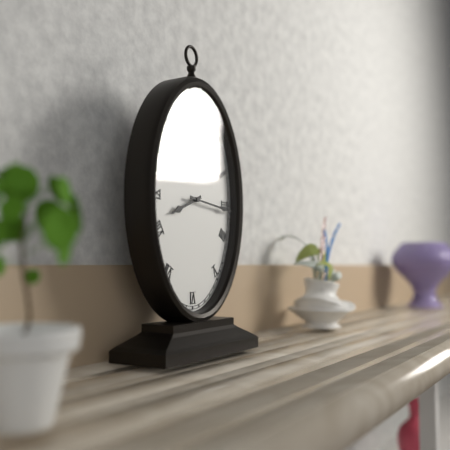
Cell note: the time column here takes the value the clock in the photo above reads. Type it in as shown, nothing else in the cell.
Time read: 8:16
